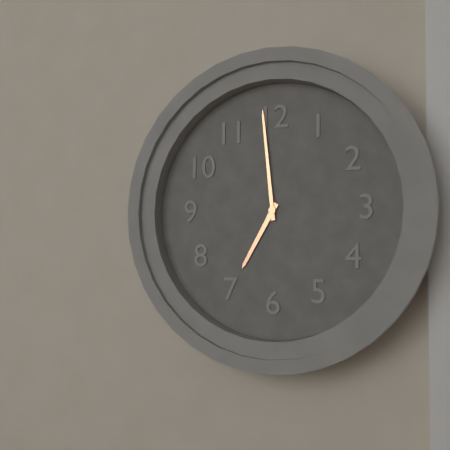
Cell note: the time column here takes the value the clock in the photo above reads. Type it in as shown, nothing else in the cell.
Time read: 6:59
